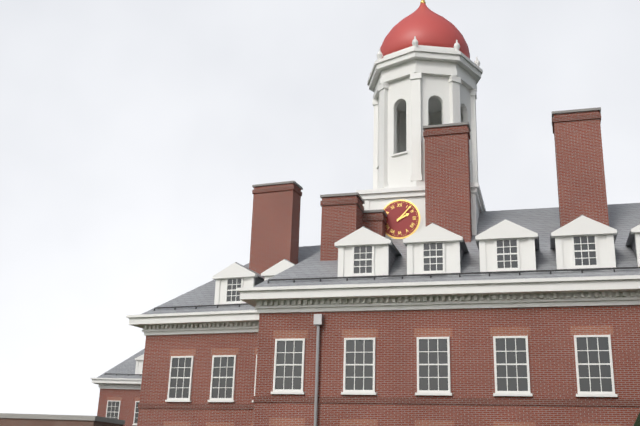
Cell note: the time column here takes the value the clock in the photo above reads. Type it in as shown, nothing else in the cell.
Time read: 2:07
